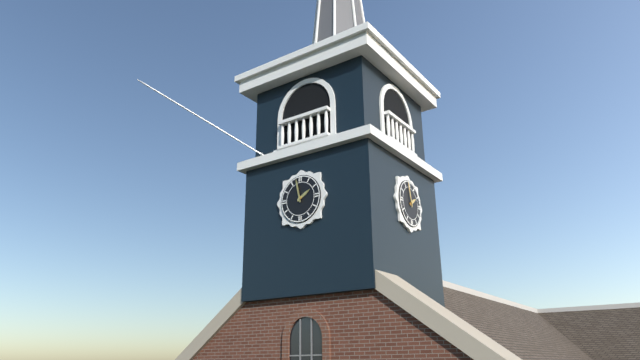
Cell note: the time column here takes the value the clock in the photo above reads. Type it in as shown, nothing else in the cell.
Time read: 1:58
